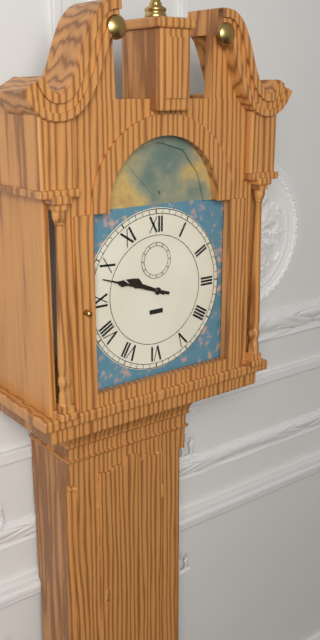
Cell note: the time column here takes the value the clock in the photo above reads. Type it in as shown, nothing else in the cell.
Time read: 9:48
